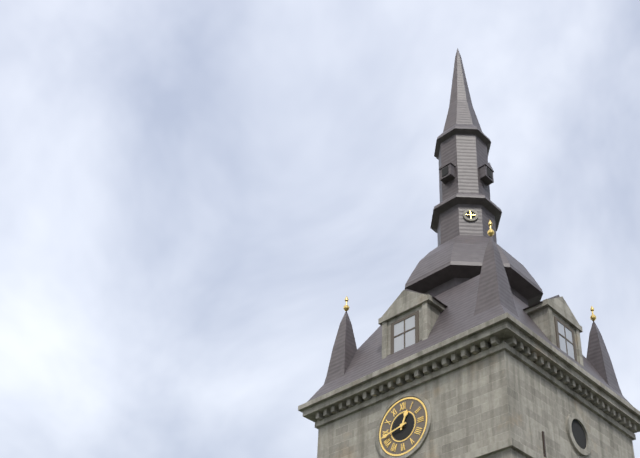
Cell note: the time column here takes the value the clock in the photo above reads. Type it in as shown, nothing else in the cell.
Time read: 12:43
